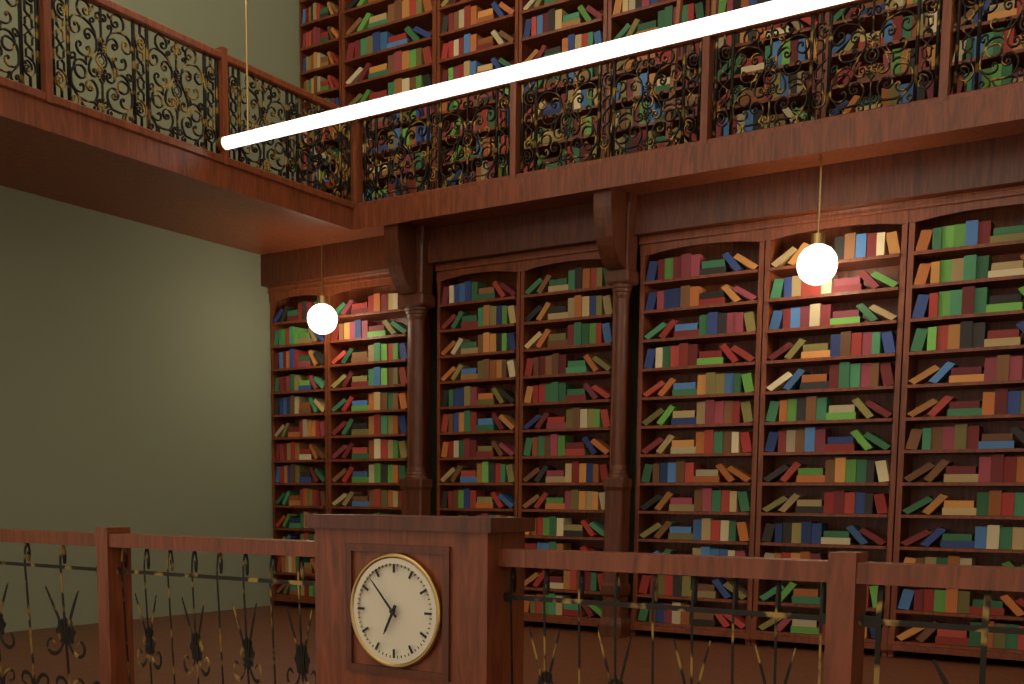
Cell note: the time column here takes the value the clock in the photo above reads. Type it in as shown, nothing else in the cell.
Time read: 6:53
